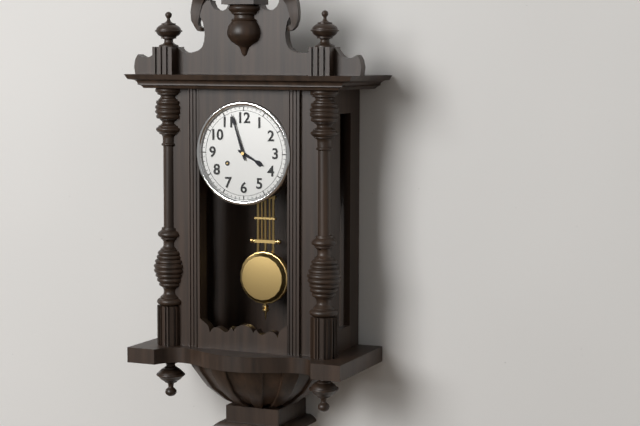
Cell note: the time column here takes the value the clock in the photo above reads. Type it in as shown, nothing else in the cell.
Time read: 3:57
